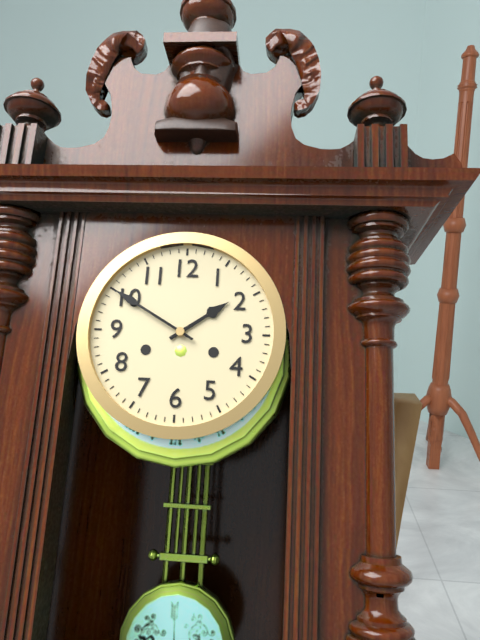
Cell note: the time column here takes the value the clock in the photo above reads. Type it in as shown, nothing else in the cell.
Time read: 1:50
